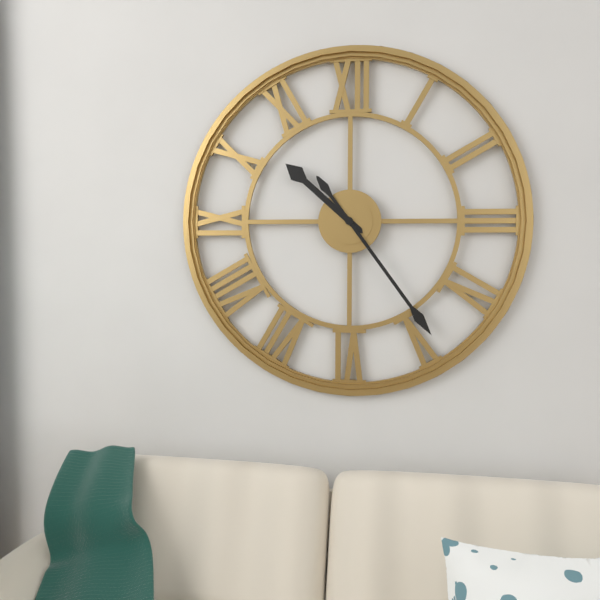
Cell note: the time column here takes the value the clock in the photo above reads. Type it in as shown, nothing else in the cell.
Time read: 10:24
